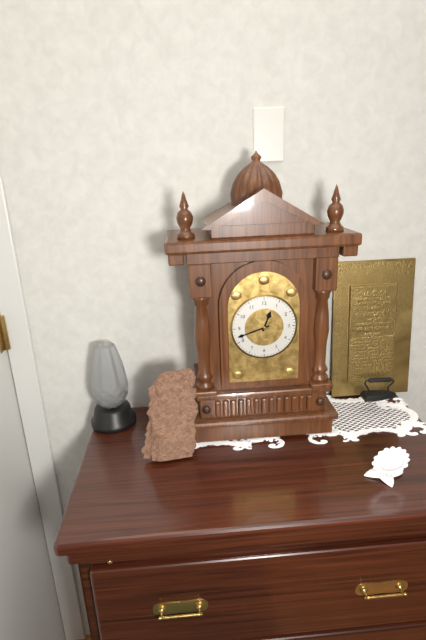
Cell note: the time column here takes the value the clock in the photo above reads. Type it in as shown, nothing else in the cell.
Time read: 12:42
